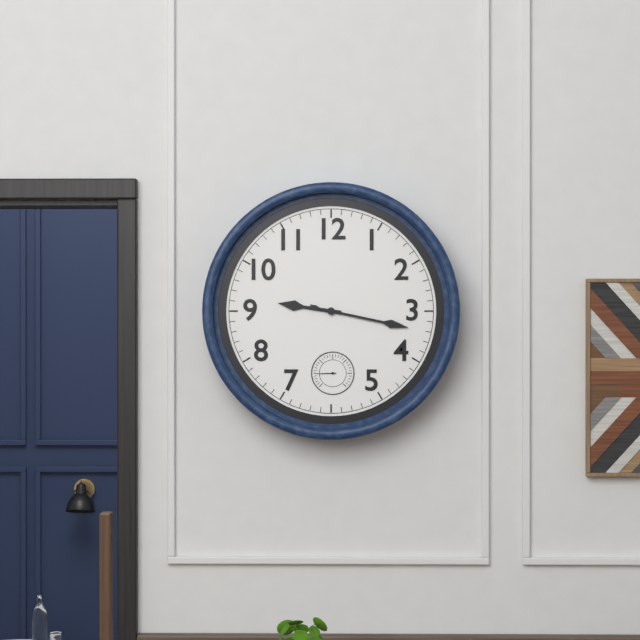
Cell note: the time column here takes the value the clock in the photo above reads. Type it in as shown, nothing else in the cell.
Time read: 9:17
